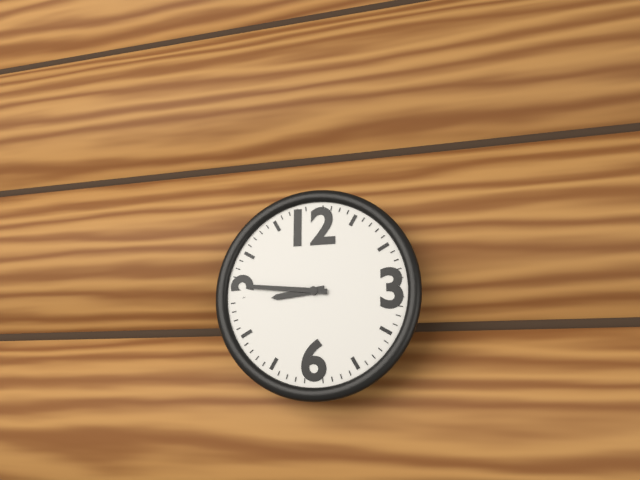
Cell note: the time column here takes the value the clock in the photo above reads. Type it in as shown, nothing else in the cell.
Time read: 8:46
